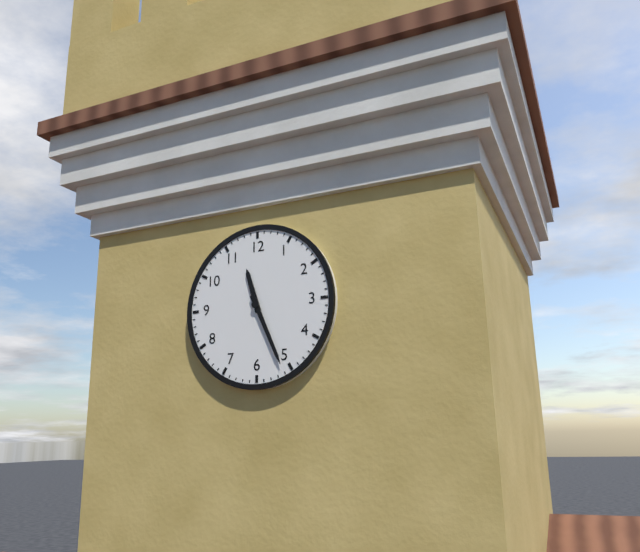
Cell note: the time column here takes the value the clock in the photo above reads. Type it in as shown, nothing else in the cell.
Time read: 11:26
